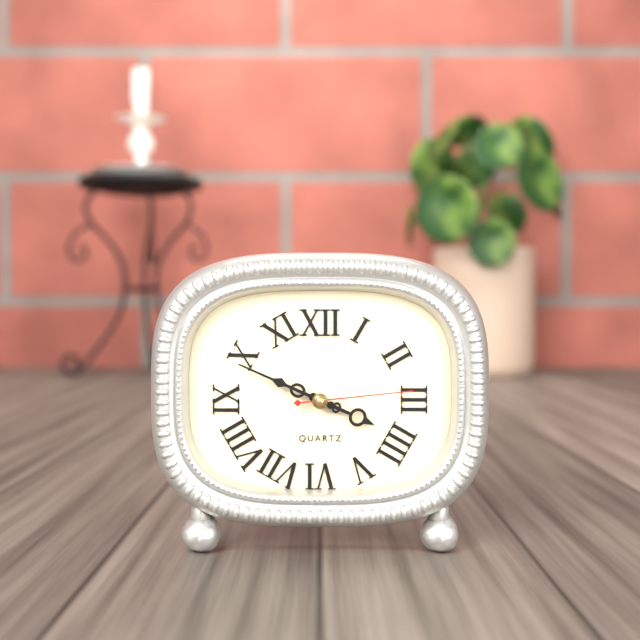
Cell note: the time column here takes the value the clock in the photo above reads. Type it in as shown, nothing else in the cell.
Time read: 3:49:14
